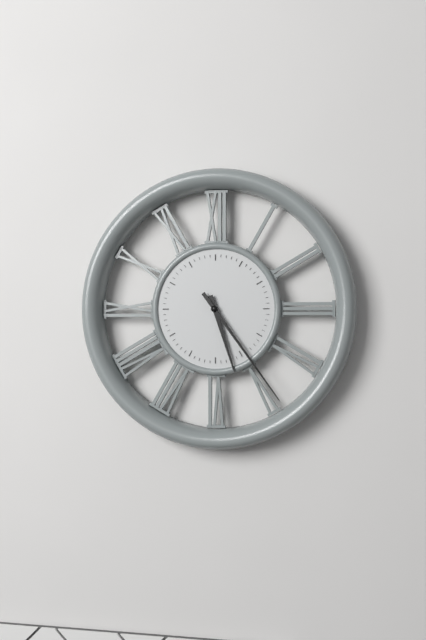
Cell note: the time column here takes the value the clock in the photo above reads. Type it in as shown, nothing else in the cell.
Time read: 5:24
